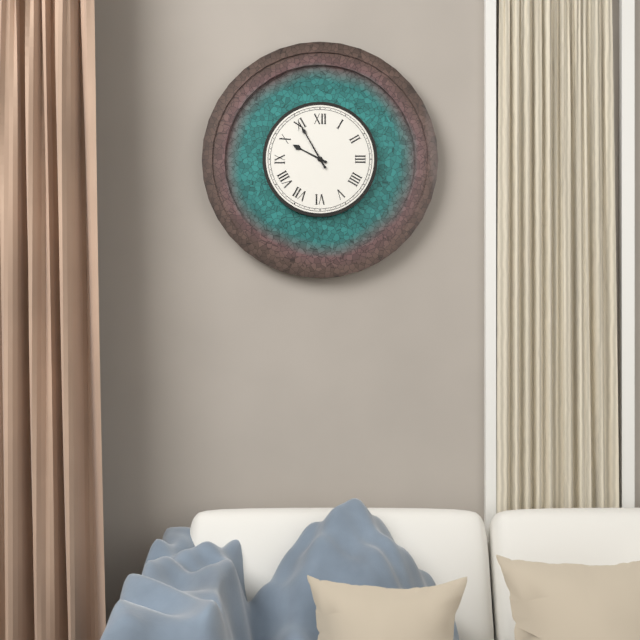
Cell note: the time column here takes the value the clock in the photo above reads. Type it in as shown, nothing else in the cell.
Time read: 9:55
